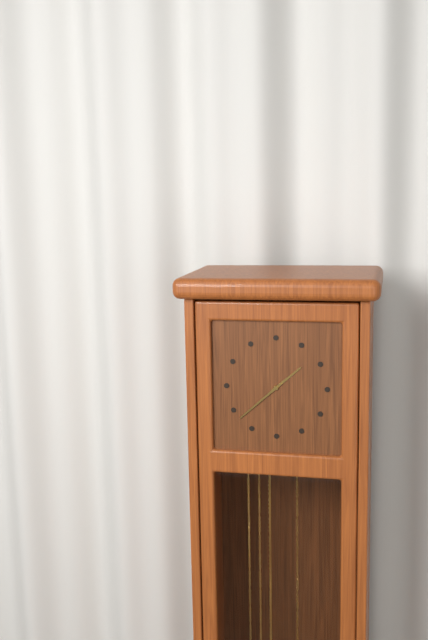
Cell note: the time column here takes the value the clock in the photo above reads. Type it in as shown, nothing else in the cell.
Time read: 1:38
